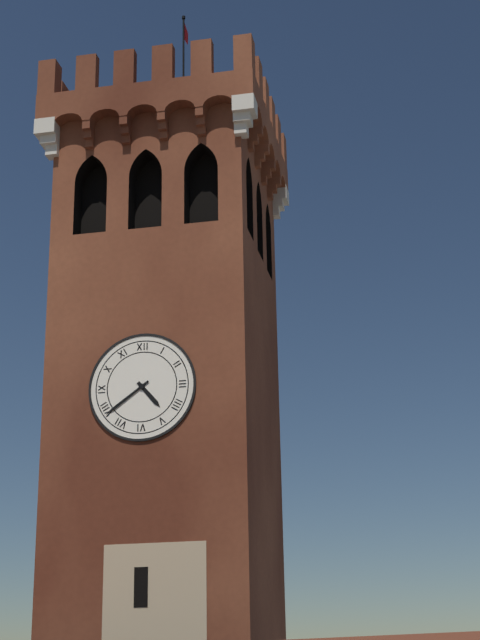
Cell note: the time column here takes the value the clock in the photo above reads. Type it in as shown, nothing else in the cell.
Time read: 4:39
